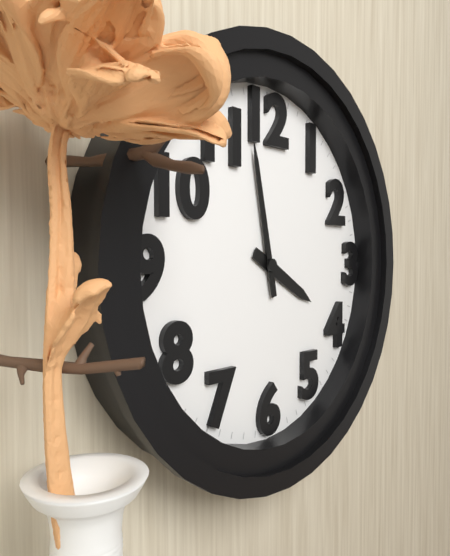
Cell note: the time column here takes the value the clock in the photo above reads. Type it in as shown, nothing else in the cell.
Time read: 3:58
